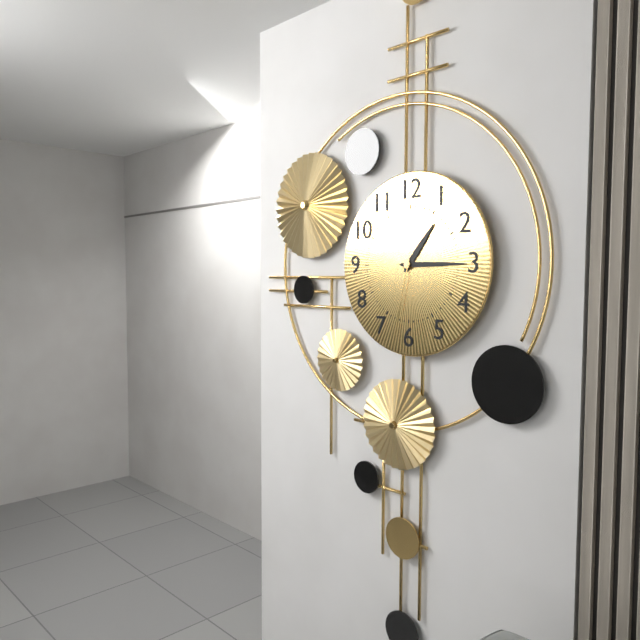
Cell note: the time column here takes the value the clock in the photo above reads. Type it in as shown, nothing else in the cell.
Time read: 1:15:32
